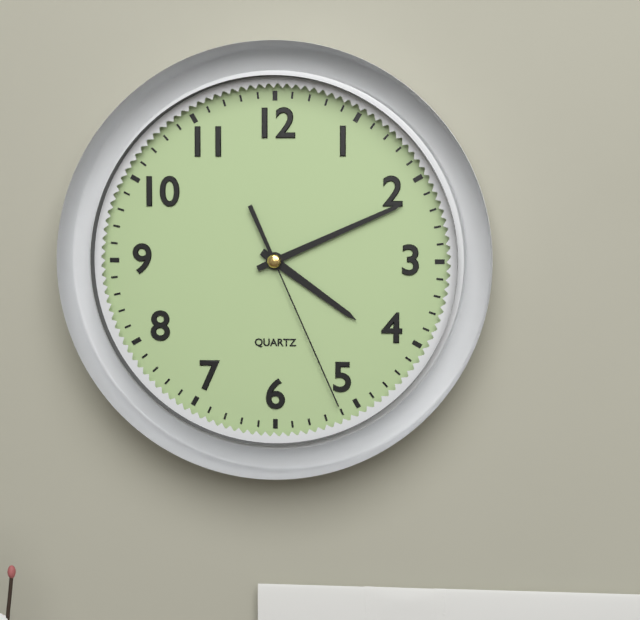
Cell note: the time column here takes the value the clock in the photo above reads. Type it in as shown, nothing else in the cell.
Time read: 4:11:26
